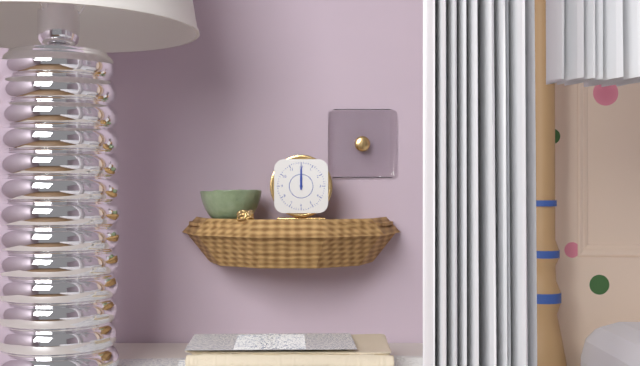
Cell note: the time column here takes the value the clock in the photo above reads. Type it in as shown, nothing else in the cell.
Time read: 12:00
